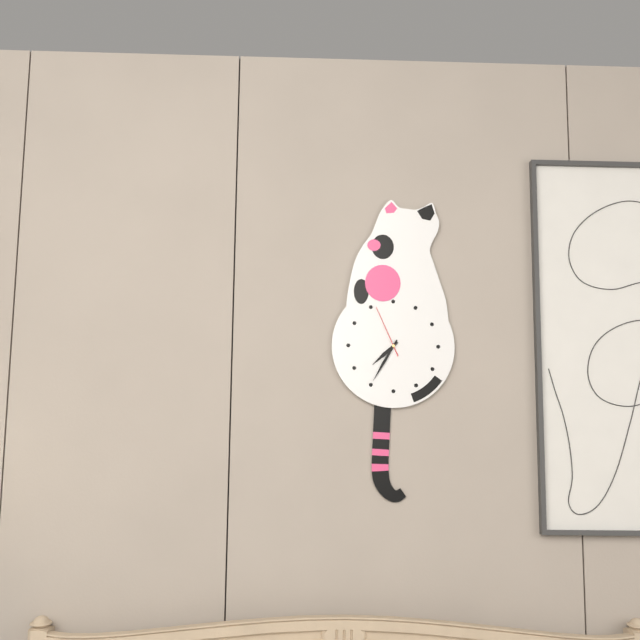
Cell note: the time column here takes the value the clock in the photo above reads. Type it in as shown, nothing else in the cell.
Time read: 7:35:56
